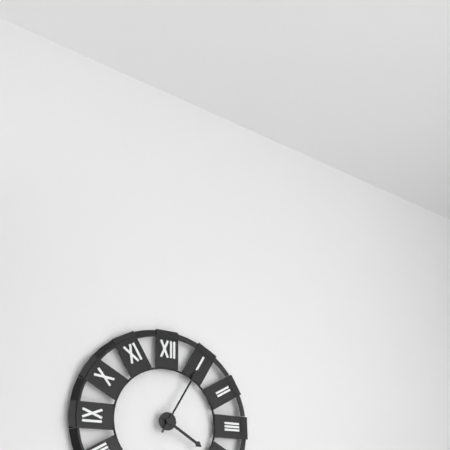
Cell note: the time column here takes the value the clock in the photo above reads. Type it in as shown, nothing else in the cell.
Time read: 4:05
